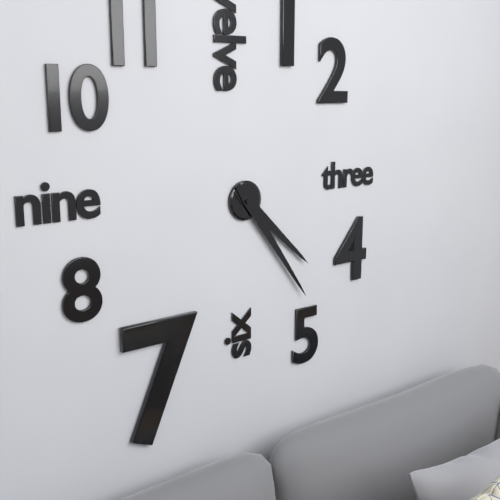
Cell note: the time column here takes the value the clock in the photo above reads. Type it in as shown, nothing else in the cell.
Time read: 4:24
